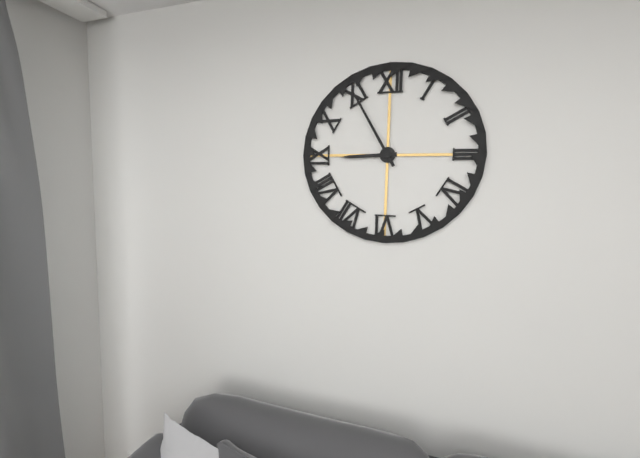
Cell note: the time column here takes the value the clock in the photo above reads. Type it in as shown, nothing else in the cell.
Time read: 8:55
